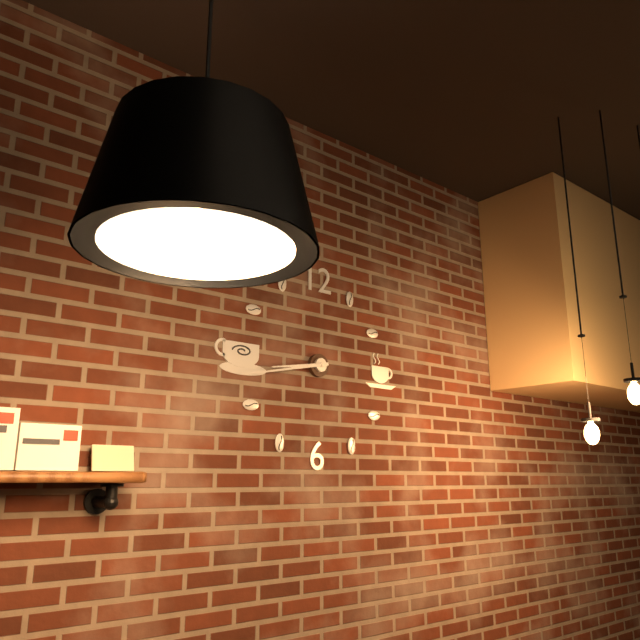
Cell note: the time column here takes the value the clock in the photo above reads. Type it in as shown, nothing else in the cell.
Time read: 8:43
